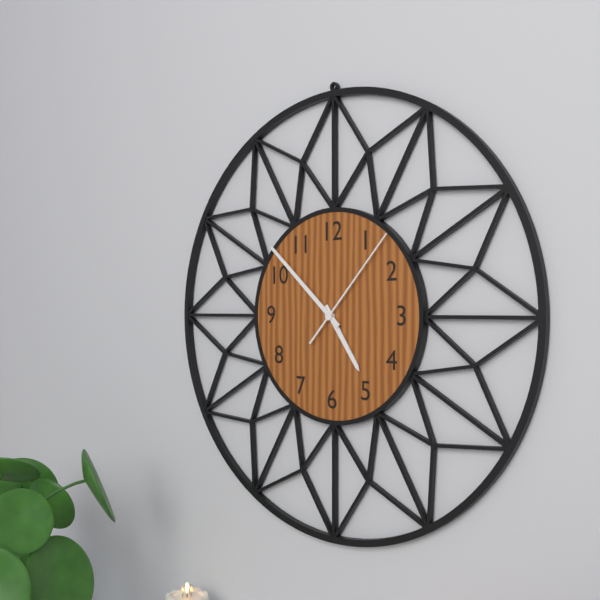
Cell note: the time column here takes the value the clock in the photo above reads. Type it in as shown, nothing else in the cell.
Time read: 4:52:07
